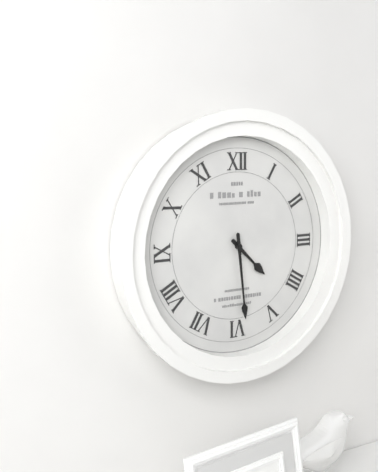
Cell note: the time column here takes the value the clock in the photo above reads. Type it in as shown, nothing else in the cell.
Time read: 4:29
